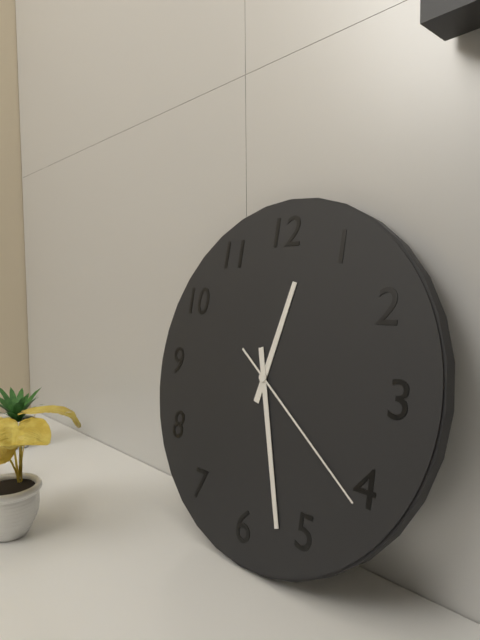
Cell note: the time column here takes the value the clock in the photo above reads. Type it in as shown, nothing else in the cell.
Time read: 12:27:21
